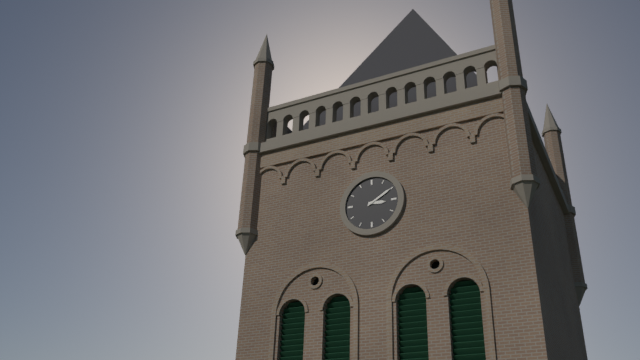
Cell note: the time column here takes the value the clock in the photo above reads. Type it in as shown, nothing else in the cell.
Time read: 3:10
